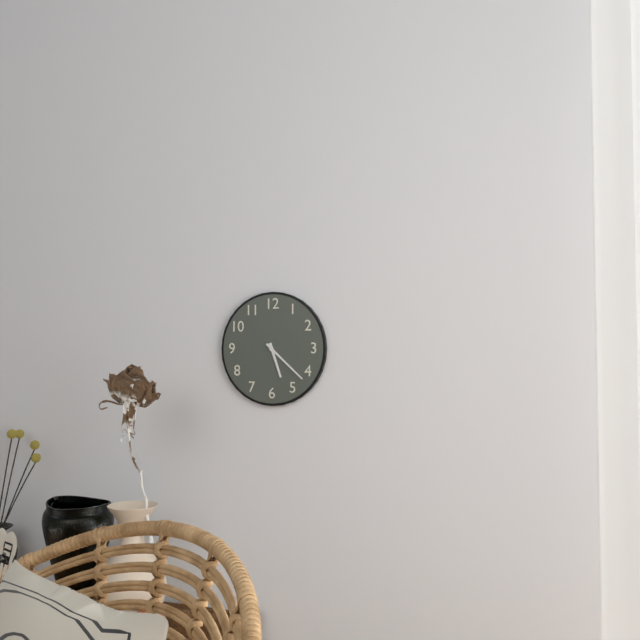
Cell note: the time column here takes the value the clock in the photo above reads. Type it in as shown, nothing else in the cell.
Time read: 5:22
